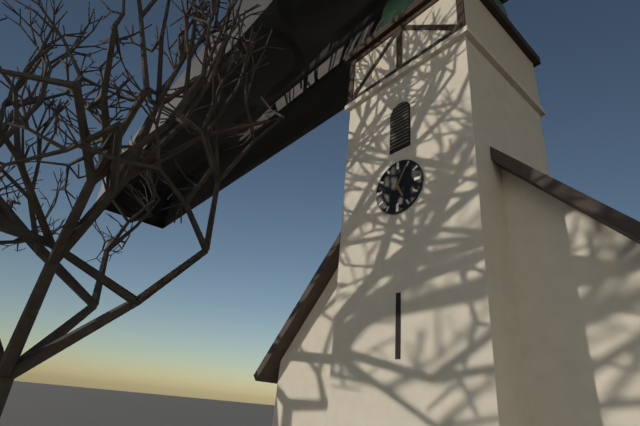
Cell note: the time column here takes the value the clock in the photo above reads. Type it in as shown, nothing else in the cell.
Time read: 5:05
